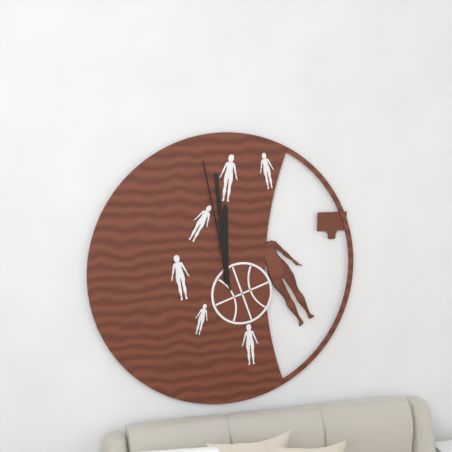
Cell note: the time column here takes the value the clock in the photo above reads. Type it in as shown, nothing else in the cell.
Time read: 11:59:58
